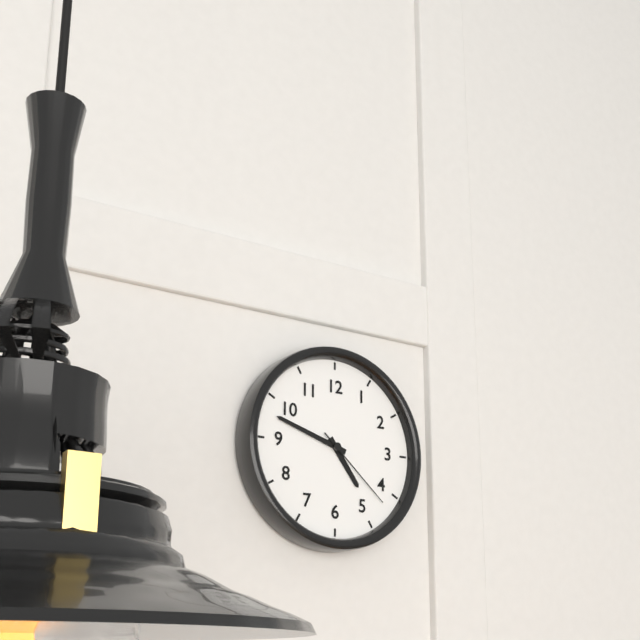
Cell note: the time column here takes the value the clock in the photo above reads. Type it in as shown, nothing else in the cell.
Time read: 4:48:22
